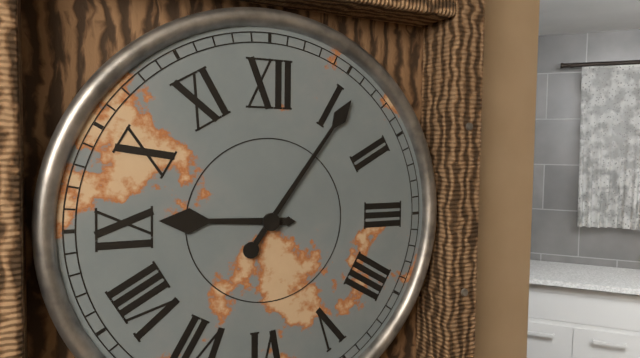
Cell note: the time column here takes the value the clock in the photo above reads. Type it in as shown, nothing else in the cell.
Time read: 9:06
